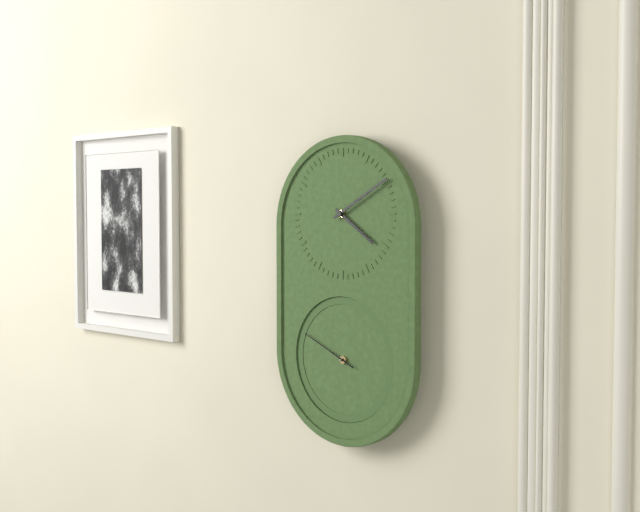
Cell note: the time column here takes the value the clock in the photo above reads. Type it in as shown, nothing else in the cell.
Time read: 4:10:49
